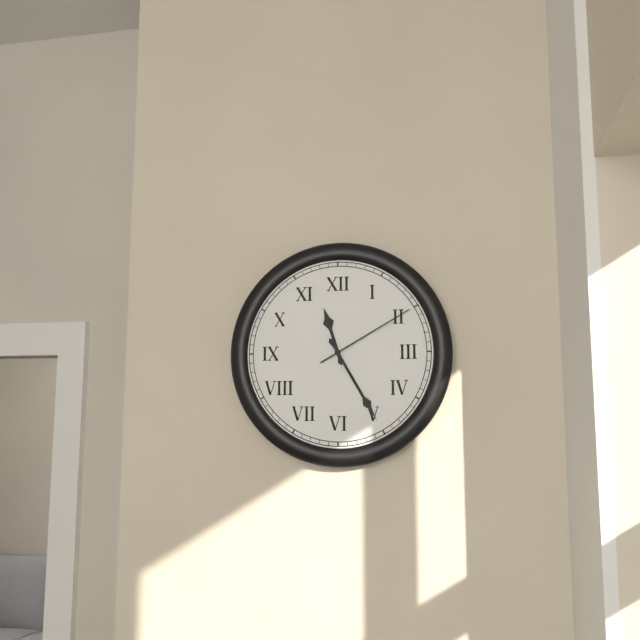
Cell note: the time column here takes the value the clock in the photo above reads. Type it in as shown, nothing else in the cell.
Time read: 11:25:10
